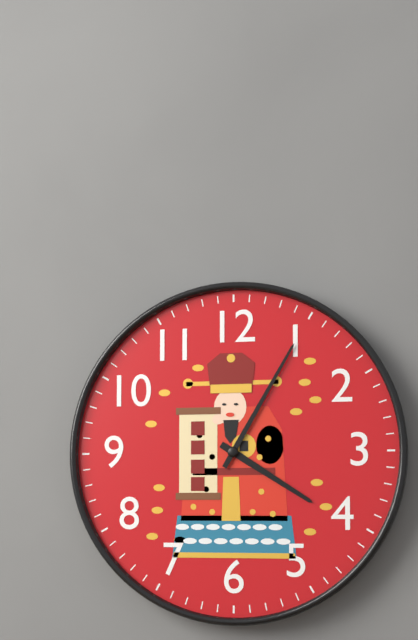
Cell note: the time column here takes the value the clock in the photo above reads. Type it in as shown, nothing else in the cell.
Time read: 4:05
